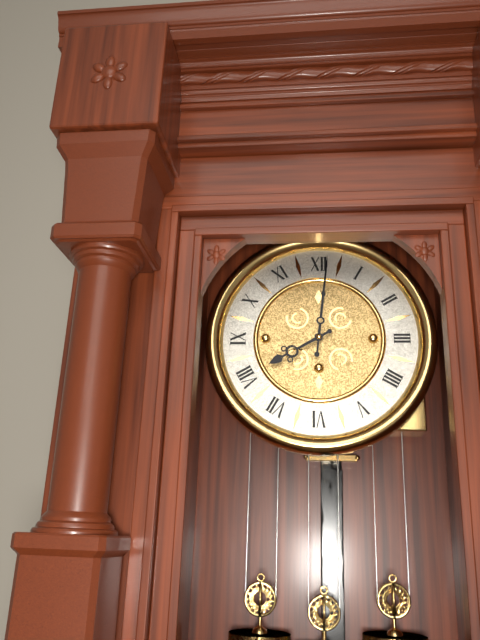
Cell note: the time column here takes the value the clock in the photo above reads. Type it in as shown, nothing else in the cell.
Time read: 8:01
